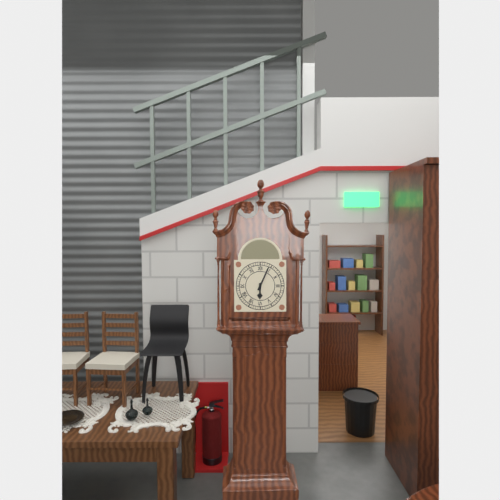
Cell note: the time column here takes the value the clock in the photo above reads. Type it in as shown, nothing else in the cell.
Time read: 6:04
